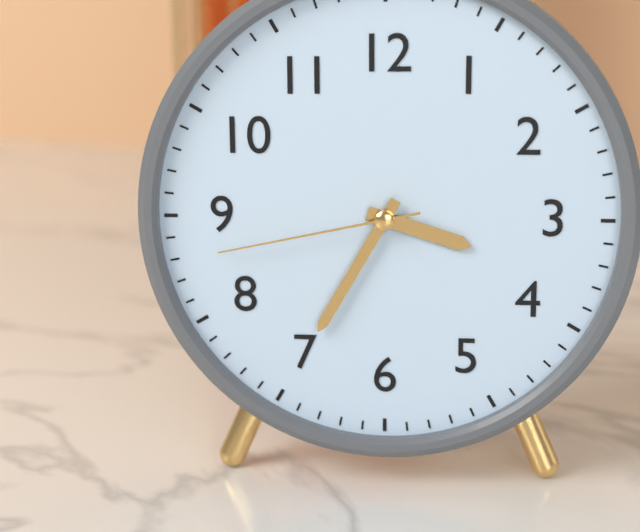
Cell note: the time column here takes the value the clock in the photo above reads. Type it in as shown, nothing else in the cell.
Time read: 3:35:43
